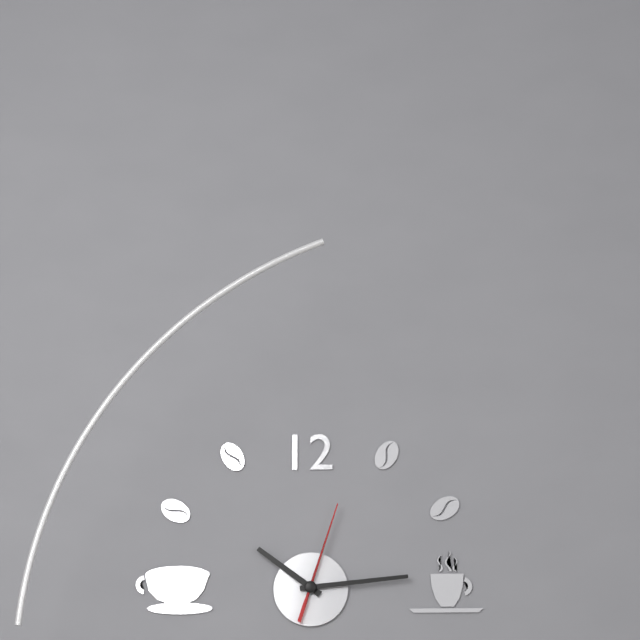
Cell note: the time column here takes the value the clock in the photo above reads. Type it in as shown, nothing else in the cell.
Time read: 10:14:03
